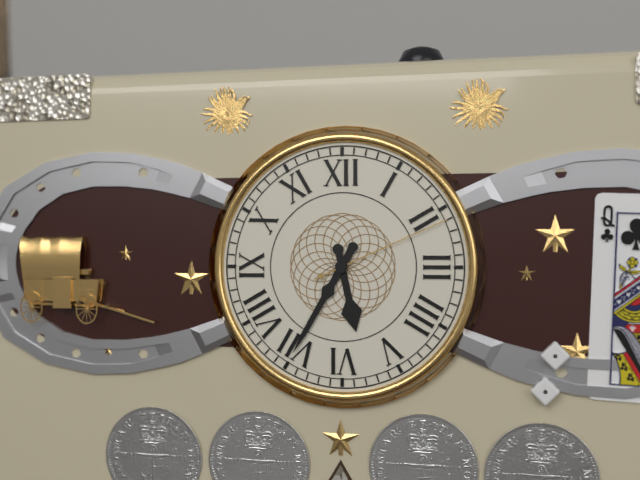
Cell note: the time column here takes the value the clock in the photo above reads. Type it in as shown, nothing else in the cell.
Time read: 5:35:11
